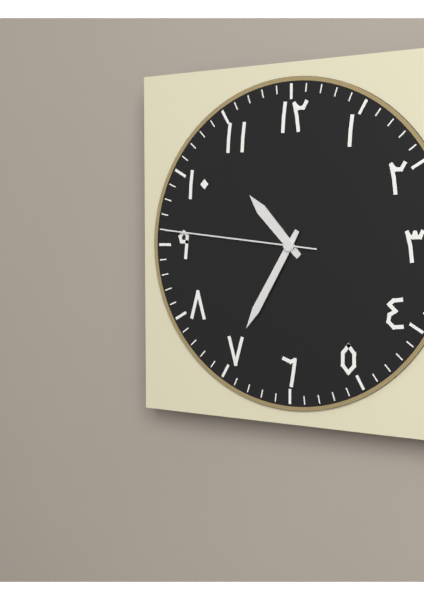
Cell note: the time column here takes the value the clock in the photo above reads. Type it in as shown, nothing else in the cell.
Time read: 10:35:46
